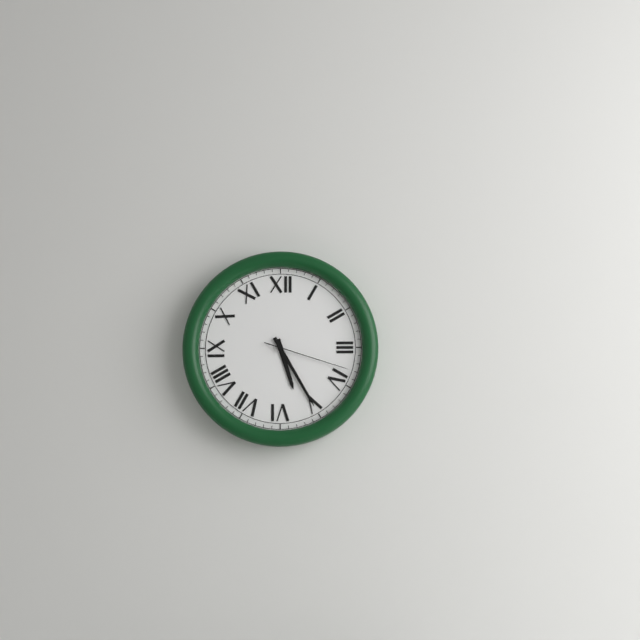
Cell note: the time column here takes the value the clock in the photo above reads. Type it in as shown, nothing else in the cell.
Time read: 5:25:18
